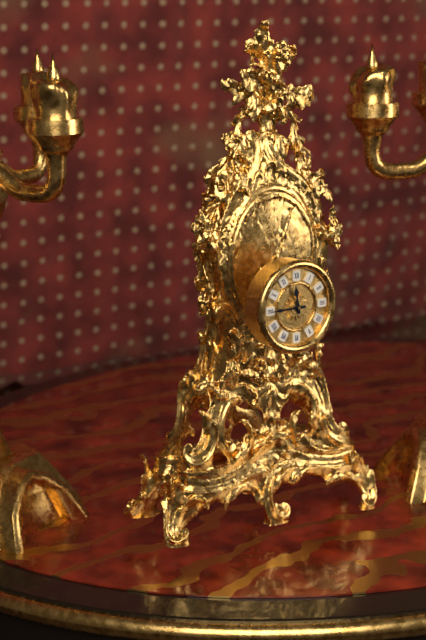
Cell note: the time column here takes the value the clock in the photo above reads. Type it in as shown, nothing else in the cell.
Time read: 11:45
